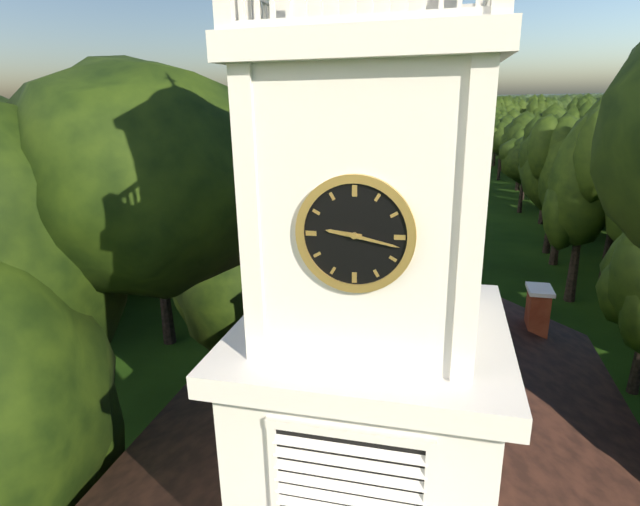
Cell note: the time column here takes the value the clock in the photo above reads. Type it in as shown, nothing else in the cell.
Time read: 9:17
